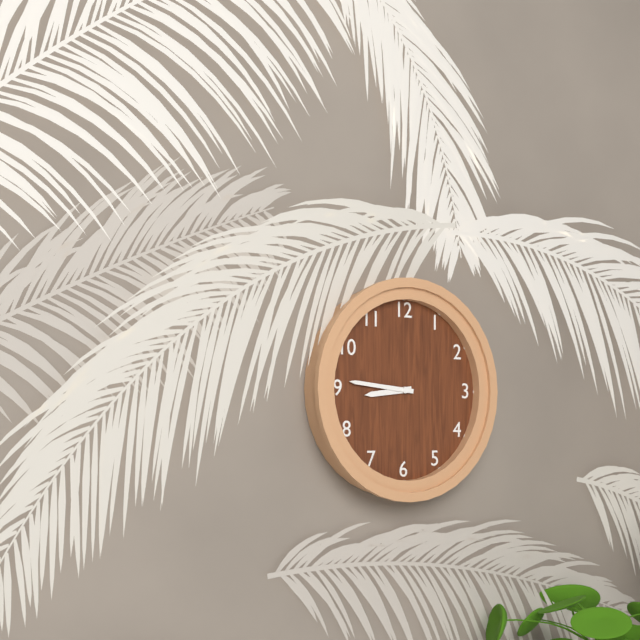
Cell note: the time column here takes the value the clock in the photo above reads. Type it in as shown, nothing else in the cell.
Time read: 8:46
